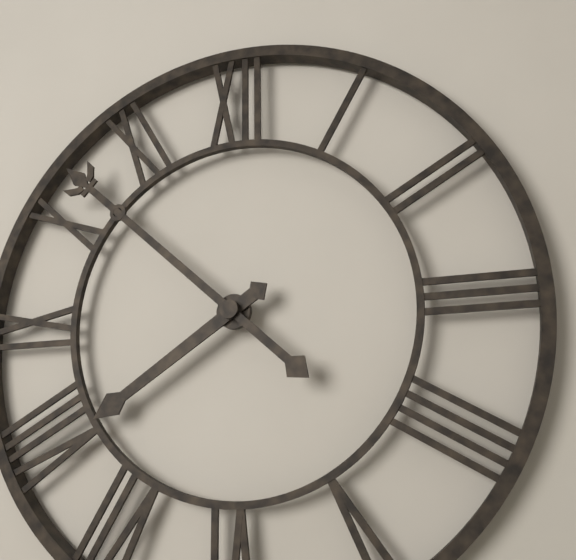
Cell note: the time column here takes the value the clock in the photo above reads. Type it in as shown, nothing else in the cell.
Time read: 7:52
